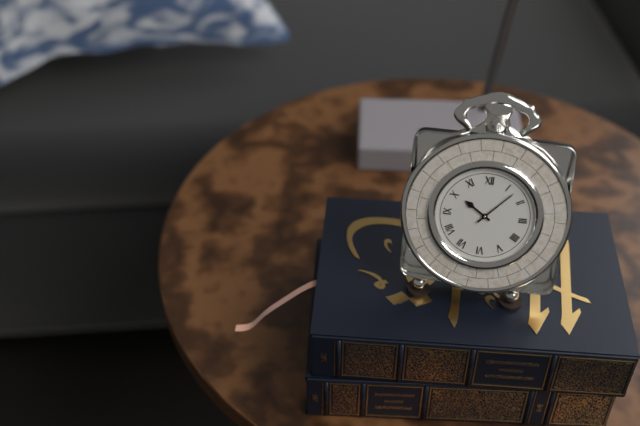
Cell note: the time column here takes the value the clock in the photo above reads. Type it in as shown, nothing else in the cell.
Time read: 10:07
